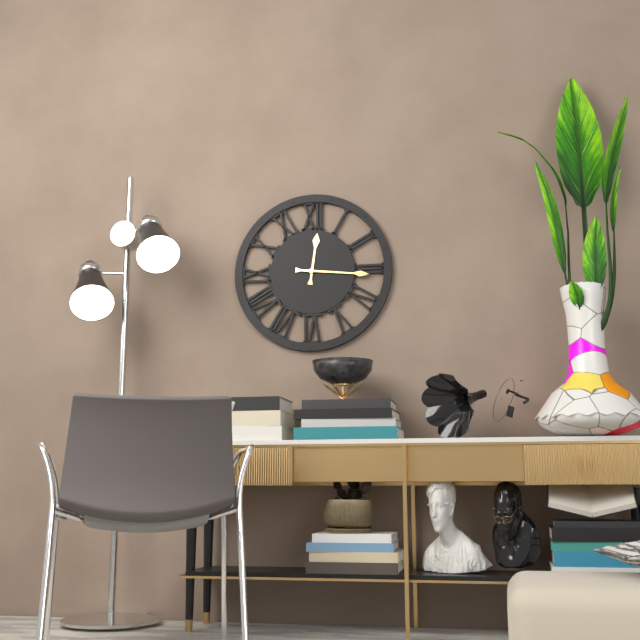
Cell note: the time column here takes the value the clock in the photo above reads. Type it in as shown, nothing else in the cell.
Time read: 12:16
